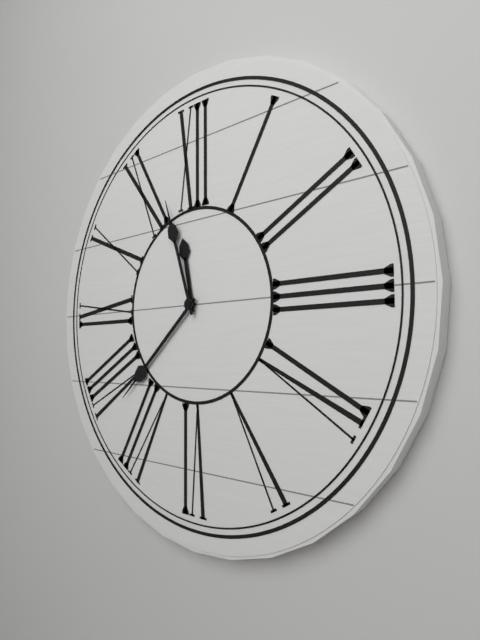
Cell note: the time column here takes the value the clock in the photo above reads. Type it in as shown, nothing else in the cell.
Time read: 11:38:57
